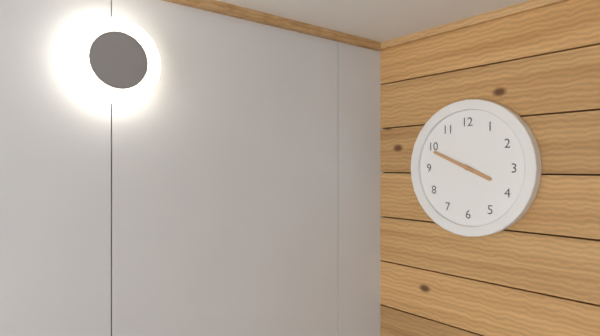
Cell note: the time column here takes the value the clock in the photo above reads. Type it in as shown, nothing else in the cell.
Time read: 3:49
